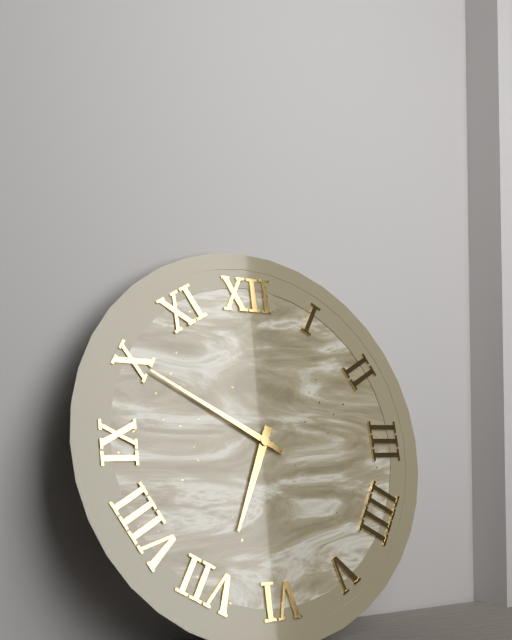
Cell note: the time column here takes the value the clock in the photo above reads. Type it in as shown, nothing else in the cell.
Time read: 6:50
